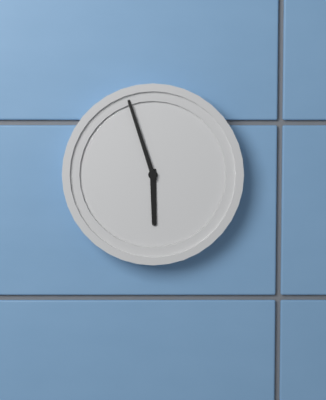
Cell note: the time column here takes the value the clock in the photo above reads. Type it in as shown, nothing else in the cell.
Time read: 5:57
